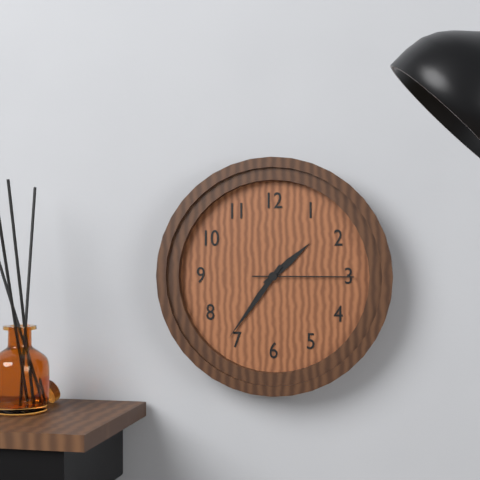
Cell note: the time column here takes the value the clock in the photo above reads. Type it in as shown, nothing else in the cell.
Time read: 1:36:15
